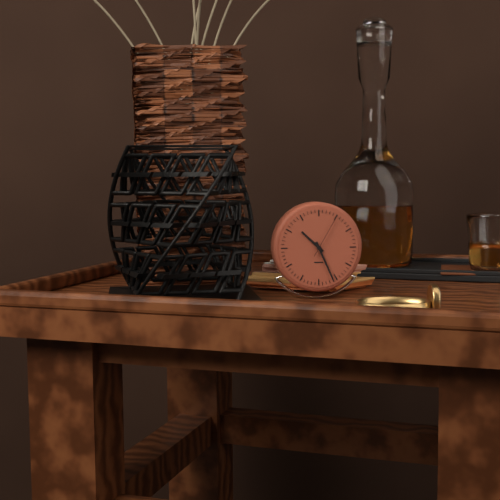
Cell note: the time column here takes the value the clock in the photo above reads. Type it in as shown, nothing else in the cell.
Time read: 10:26
